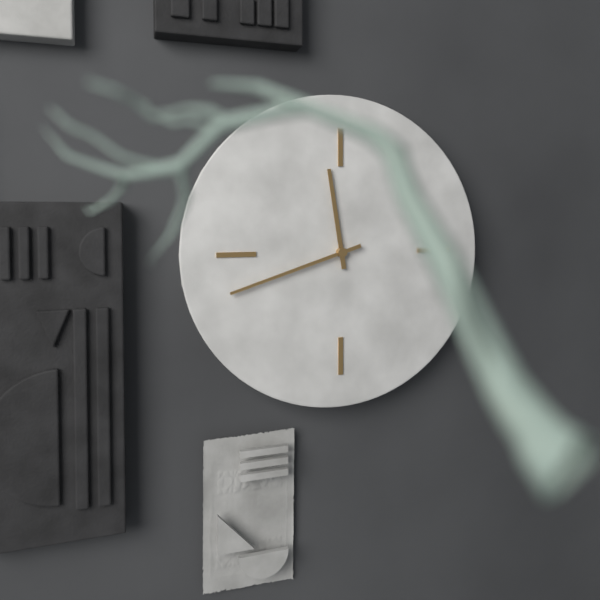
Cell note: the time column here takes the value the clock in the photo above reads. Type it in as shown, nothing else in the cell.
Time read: 11:42
